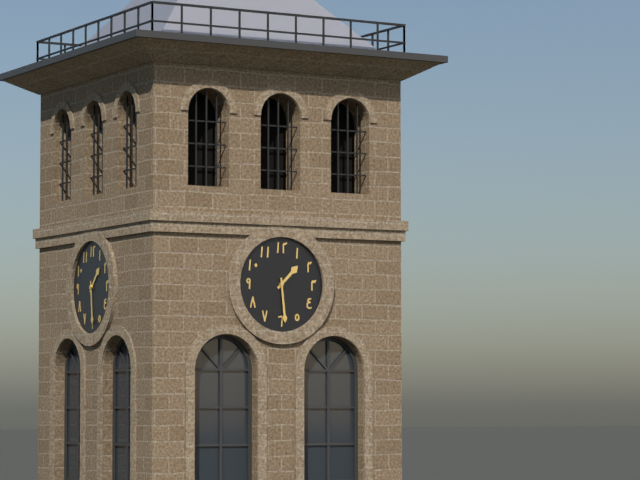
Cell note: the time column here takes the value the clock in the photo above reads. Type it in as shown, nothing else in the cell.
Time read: 1:29
